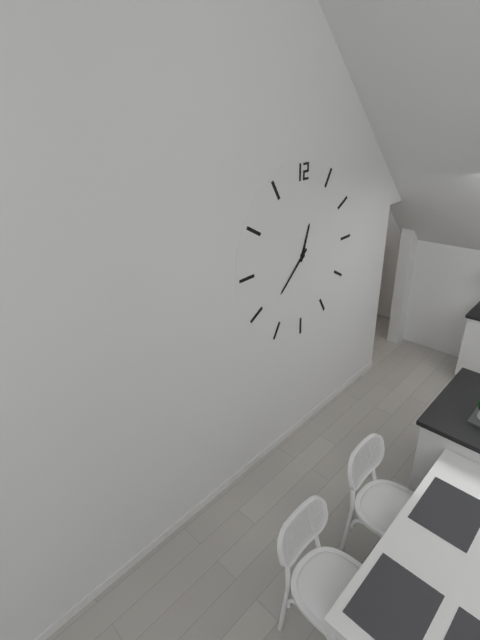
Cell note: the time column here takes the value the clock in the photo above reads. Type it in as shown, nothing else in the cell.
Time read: 12:38
